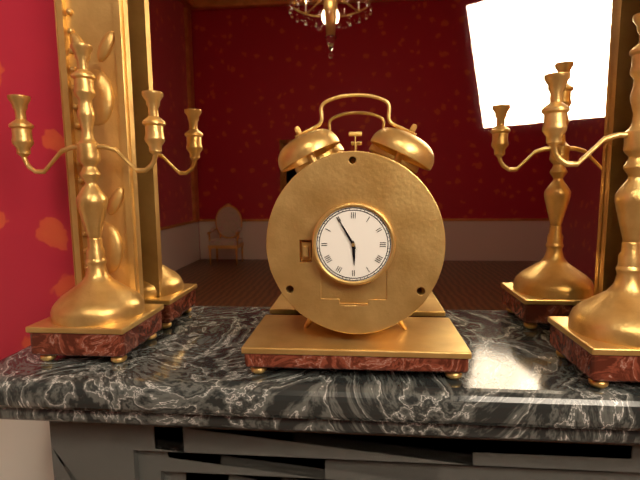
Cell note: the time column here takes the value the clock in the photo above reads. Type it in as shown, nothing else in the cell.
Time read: 5:55
